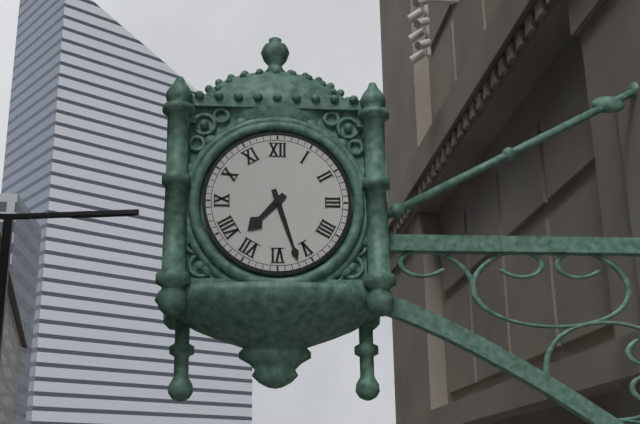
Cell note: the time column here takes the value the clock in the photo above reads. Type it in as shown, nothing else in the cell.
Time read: 7:27
